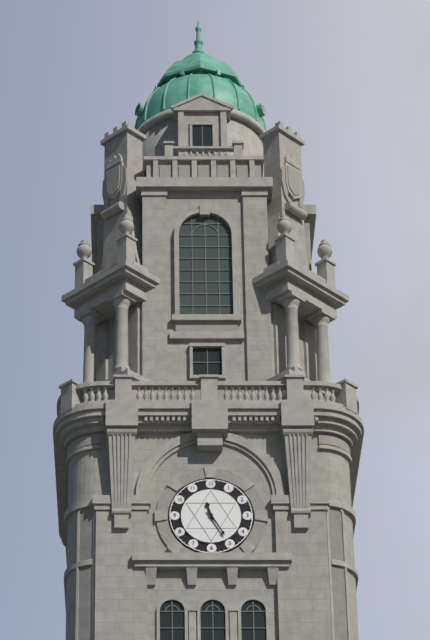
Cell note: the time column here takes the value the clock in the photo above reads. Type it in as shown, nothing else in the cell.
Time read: 11:25
